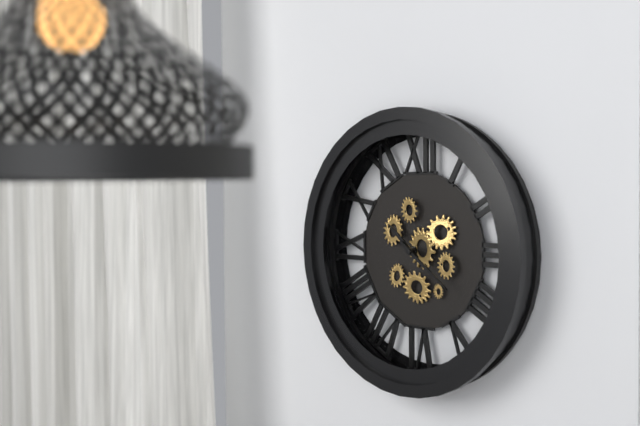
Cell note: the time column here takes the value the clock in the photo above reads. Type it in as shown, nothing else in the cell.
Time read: 10:21
